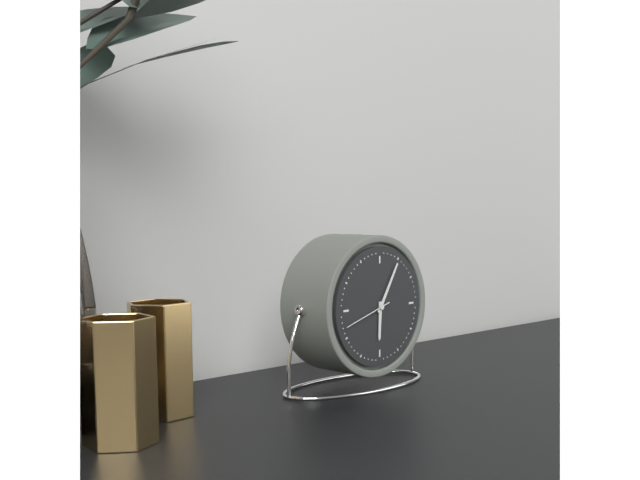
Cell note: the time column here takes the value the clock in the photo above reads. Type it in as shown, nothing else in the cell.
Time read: 6:05:42
